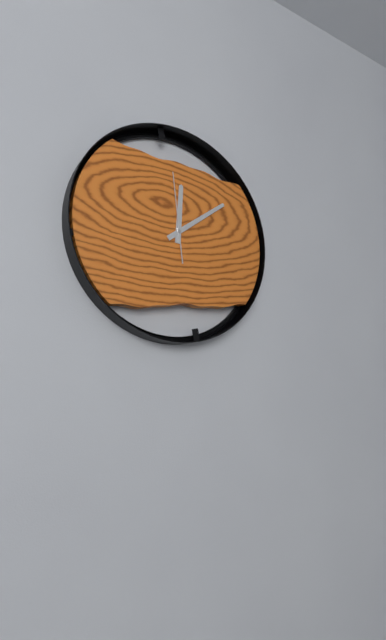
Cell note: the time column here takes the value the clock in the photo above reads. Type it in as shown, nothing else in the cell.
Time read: 12:09:59
